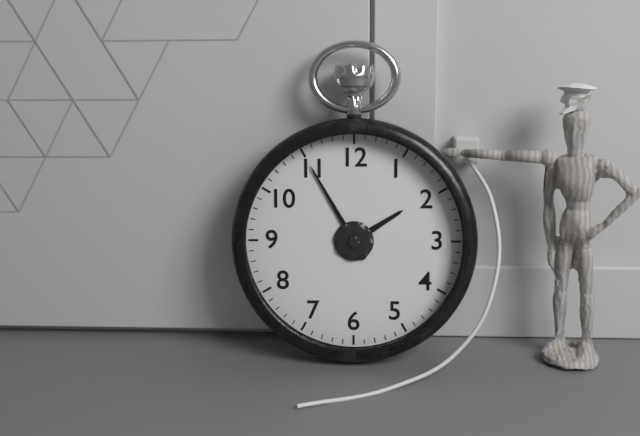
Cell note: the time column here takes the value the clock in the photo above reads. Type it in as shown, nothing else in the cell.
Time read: 1:55
